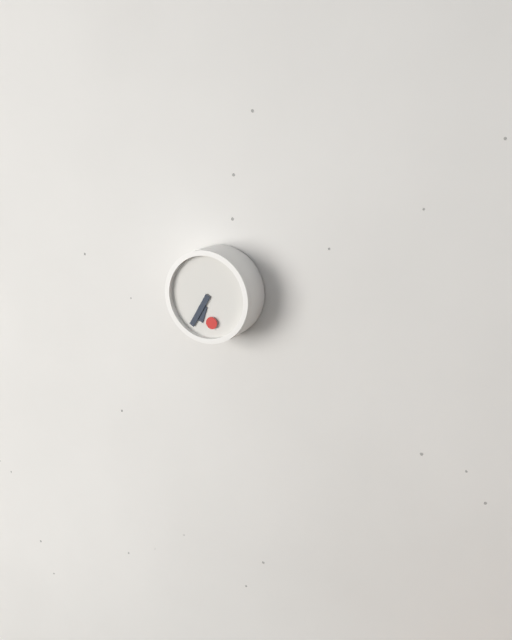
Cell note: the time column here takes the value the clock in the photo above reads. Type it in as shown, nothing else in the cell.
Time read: 6:35
